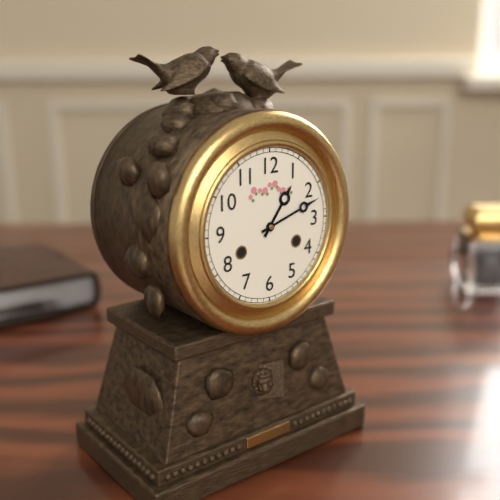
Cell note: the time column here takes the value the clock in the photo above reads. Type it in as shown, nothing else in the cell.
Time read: 1:12
